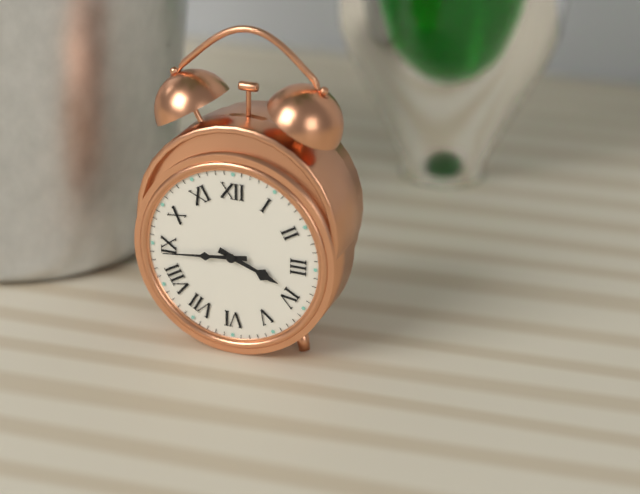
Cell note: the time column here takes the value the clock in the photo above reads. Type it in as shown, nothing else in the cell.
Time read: 3:44
